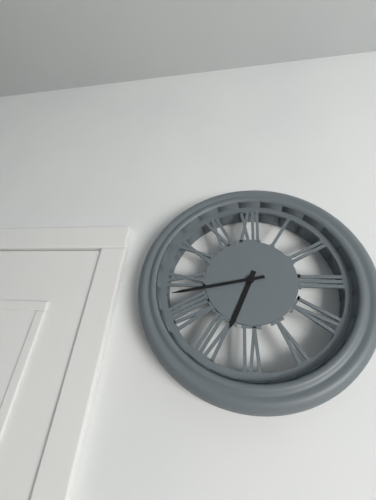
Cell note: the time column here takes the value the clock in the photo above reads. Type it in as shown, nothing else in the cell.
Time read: 6:43
